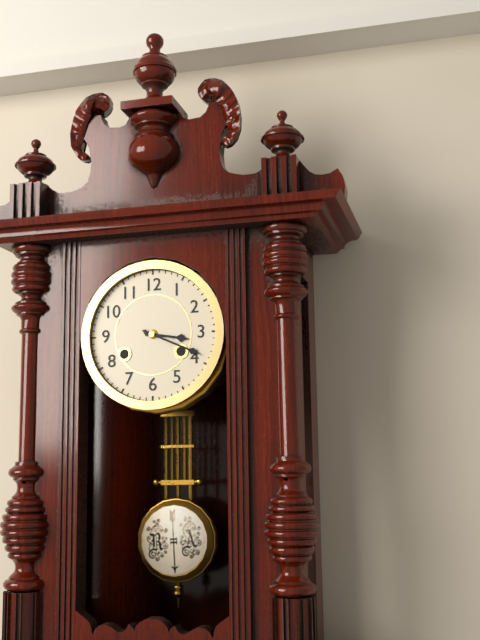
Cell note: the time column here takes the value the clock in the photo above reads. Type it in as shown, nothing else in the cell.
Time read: 3:19
